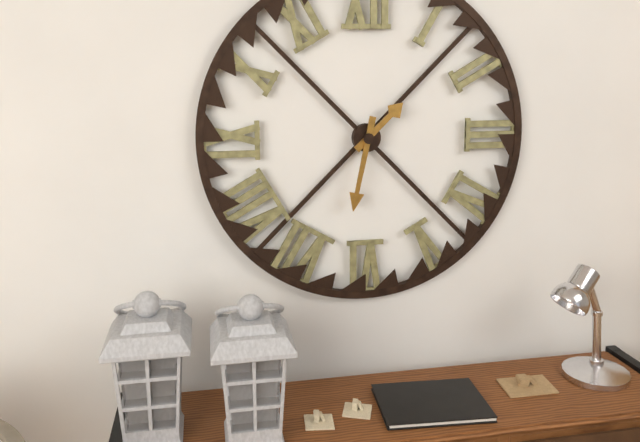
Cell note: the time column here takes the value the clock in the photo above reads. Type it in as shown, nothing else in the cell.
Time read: 1:32
